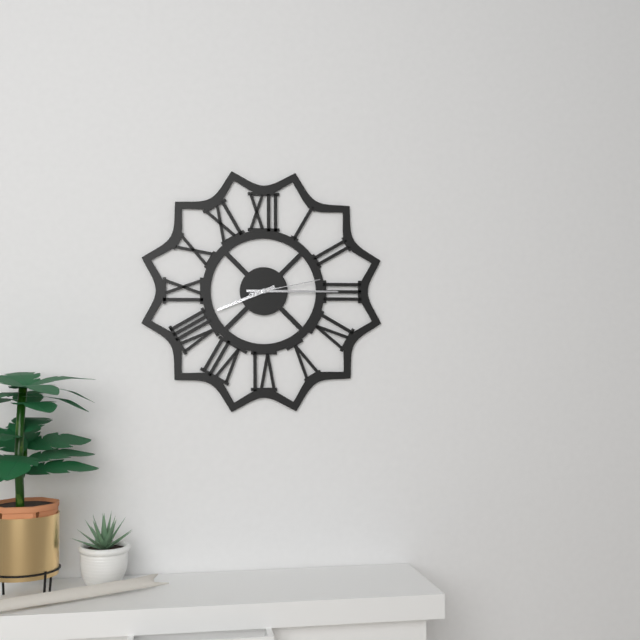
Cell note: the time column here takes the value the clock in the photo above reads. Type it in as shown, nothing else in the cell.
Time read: 8:15:13
